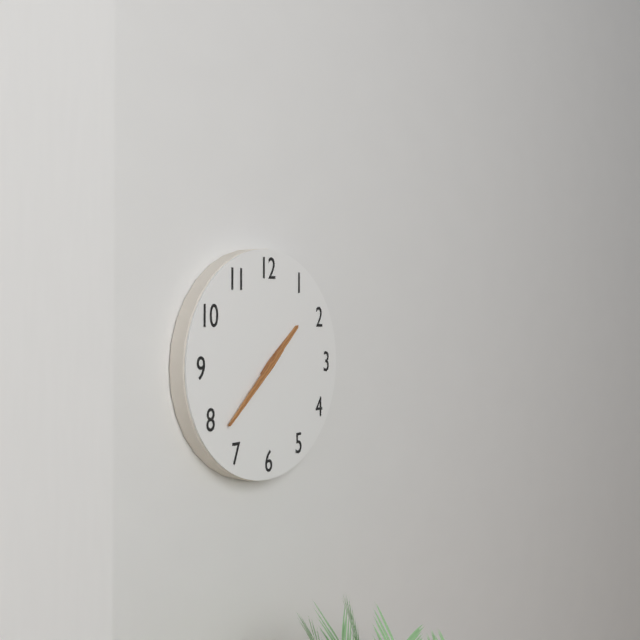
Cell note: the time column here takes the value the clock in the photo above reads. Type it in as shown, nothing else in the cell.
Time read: 1:38
